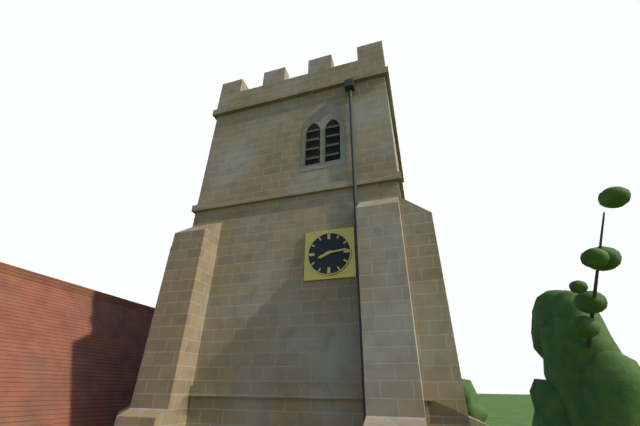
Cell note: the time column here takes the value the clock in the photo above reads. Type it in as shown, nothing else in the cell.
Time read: 8:14
